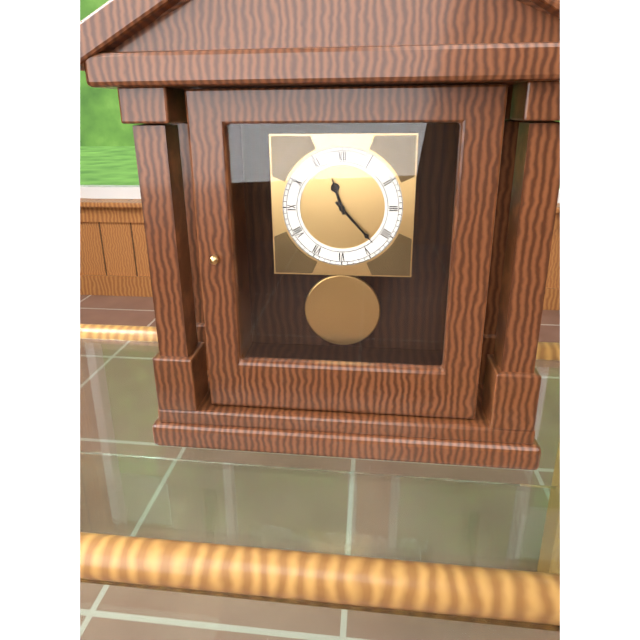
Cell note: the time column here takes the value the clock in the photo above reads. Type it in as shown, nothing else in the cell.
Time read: 11:23
